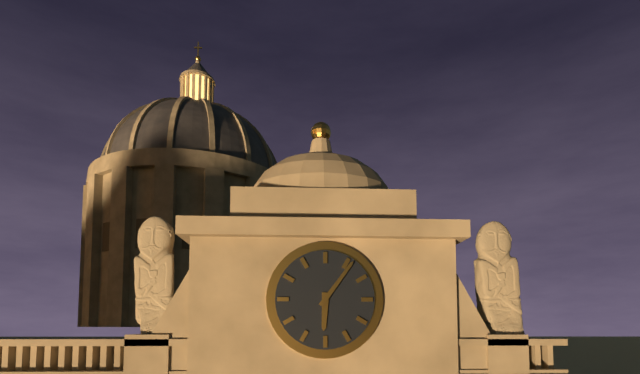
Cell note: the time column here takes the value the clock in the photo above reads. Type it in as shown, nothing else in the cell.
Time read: 6:06
